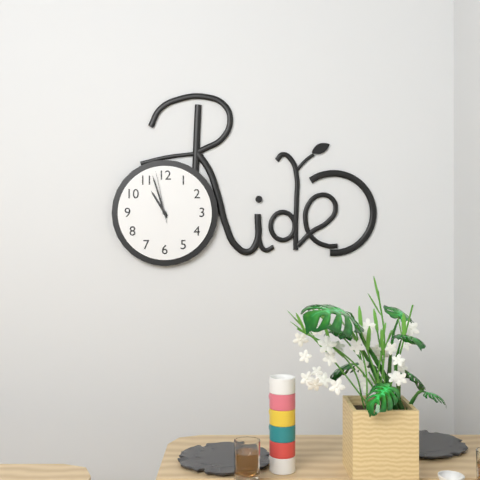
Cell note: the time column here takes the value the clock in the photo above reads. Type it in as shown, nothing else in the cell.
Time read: 10:57:58
